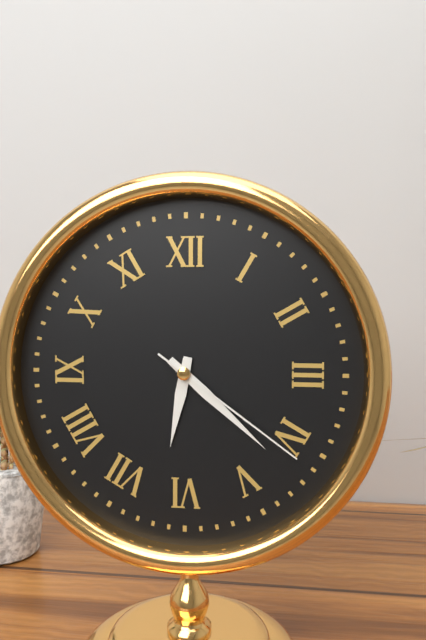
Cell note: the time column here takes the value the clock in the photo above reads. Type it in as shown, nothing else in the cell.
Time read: 6:22:21
